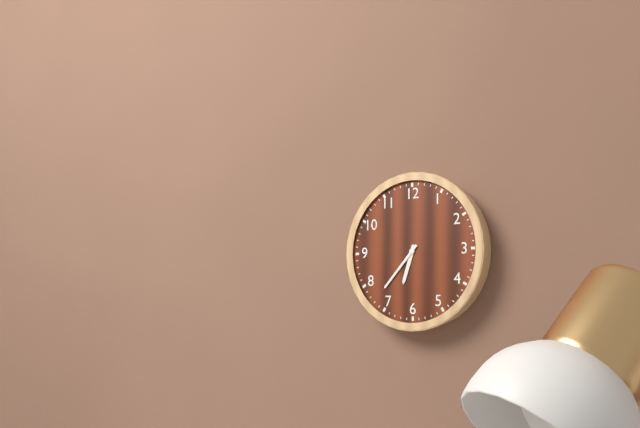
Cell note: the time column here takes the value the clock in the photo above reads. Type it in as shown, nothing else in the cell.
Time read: 6:37
